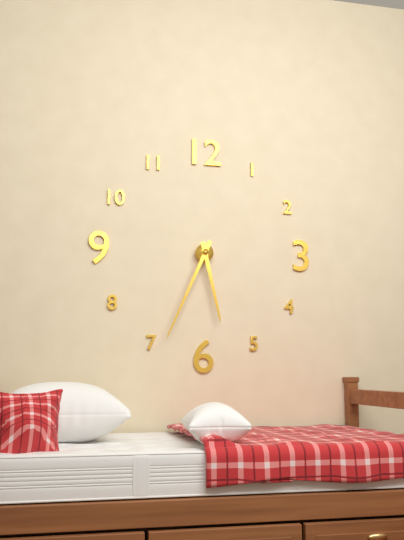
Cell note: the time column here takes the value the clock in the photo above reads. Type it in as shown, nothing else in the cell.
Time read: 5:34
